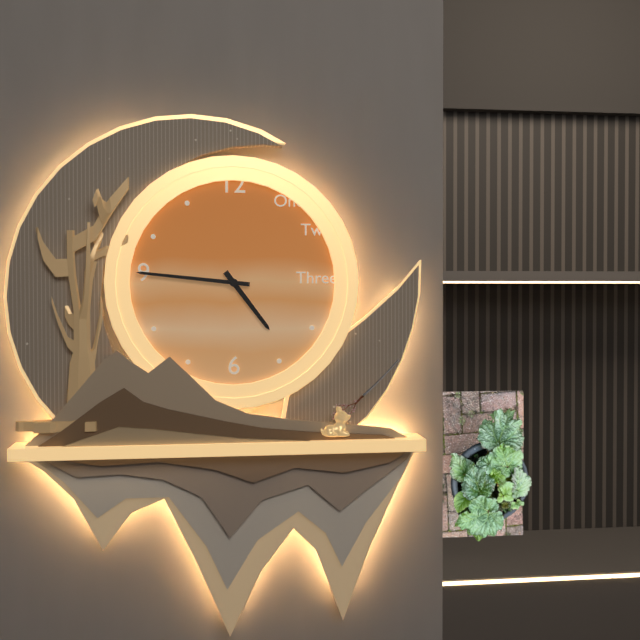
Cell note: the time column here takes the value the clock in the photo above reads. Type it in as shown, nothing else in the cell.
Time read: 4:46
